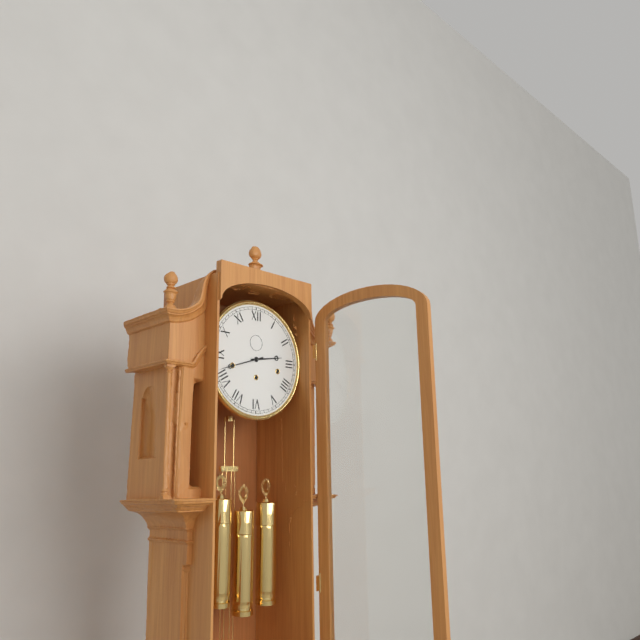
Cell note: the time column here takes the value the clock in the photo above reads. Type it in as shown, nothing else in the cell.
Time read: 2:42
